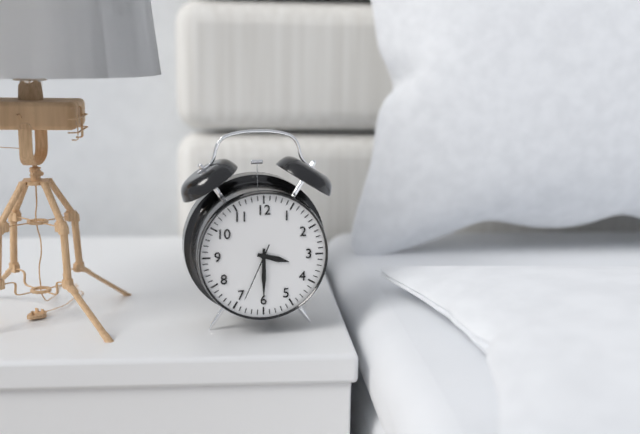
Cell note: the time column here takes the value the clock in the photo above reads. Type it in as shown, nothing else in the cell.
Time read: 3:30:34
